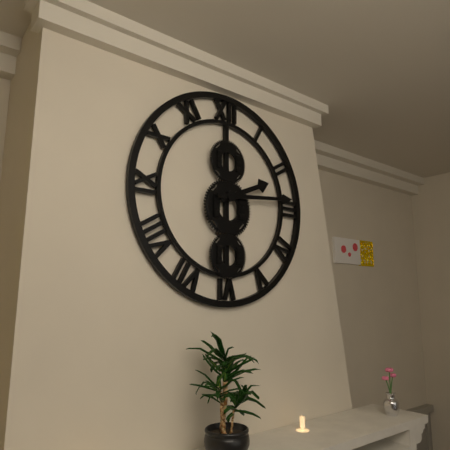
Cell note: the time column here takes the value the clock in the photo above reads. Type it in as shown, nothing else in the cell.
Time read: 2:14
